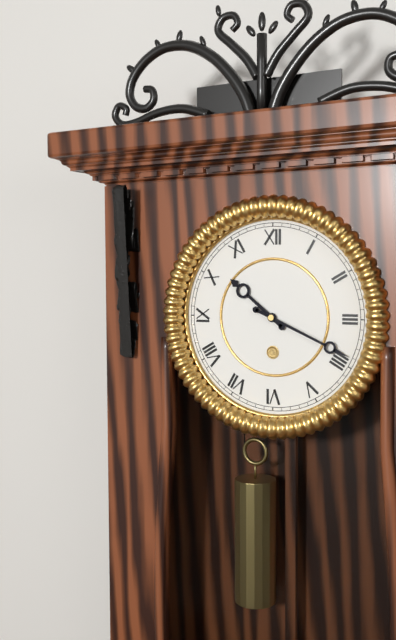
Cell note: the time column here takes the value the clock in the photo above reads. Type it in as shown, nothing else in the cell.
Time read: 10:19
